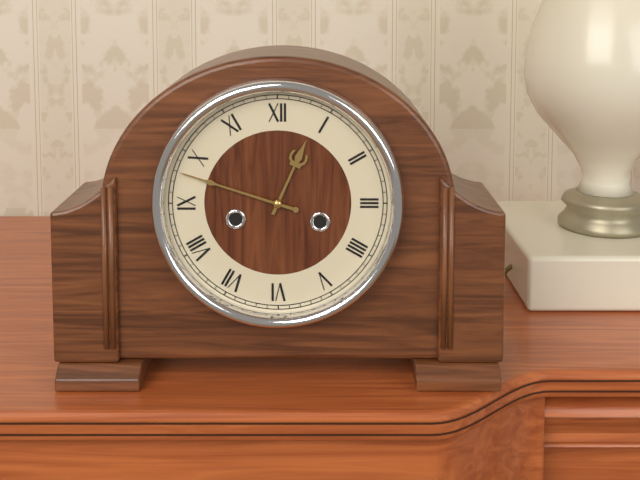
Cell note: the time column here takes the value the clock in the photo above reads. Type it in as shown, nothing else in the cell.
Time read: 12:48
